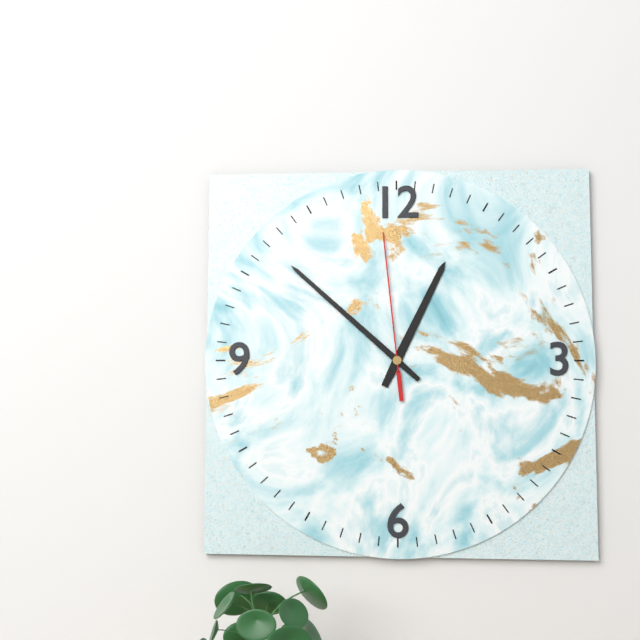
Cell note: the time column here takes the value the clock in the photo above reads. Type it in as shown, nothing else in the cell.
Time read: 12:52:59
